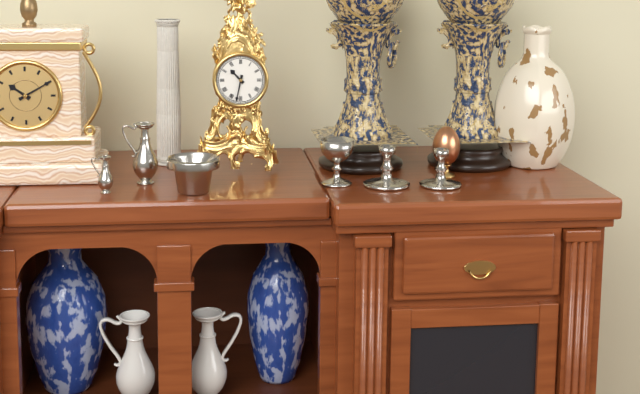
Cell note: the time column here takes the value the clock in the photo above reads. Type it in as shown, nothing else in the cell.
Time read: 10:32
